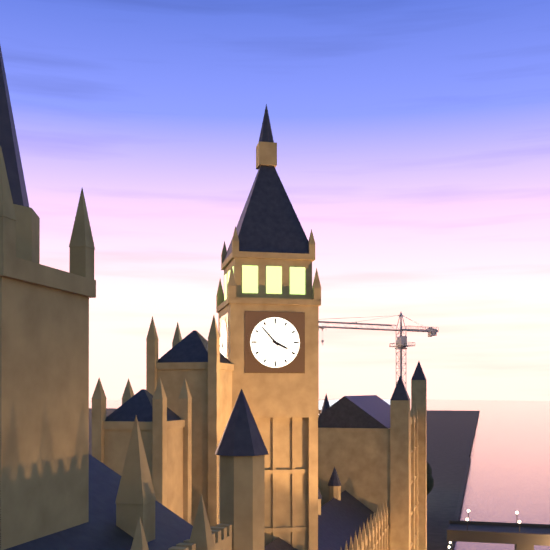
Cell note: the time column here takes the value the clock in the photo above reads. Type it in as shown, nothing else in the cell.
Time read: 3:53
